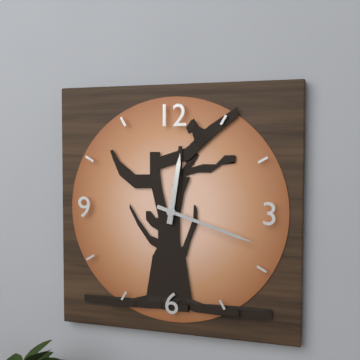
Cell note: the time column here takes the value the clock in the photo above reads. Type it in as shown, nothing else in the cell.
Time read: 12:18
